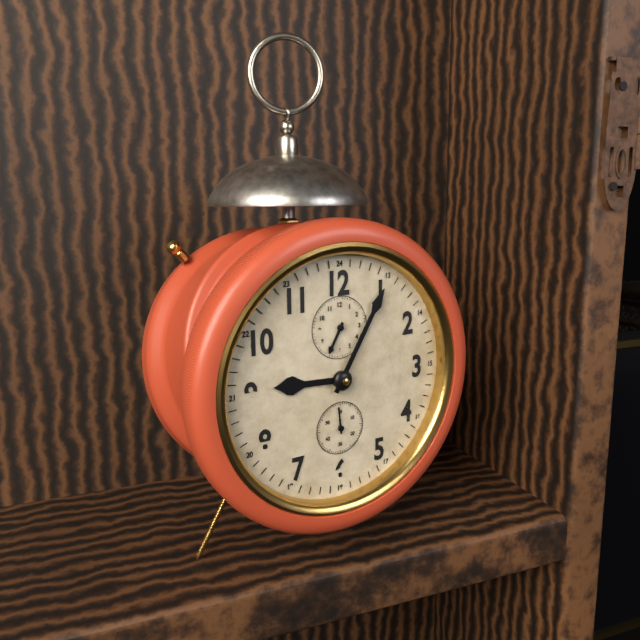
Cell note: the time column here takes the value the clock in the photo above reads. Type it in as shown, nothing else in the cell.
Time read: 9:05
